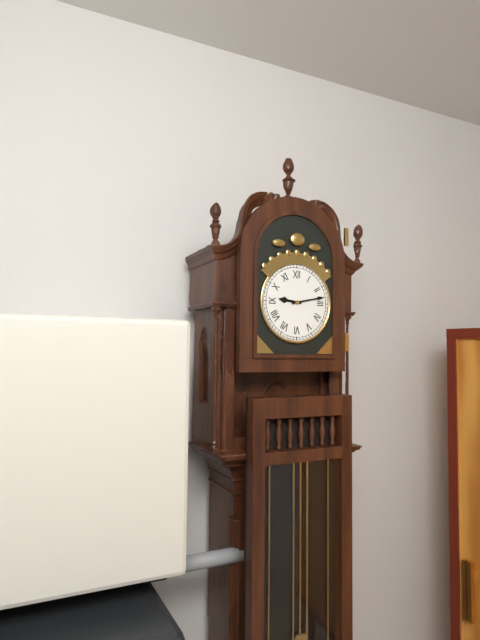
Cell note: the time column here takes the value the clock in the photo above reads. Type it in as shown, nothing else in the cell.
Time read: 9:13
